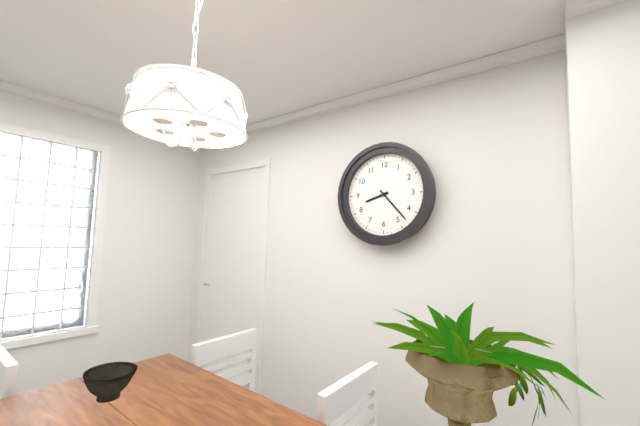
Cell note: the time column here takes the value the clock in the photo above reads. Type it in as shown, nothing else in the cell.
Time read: 8:23
